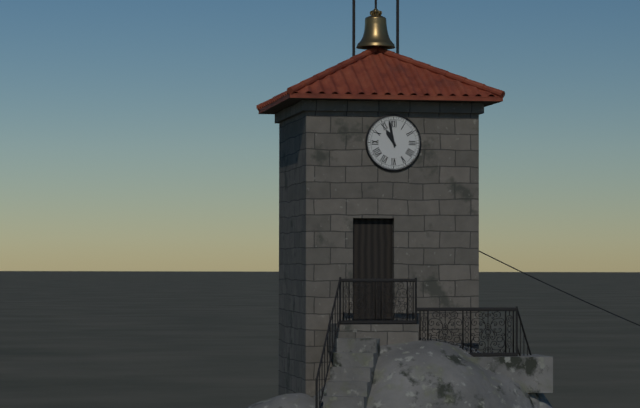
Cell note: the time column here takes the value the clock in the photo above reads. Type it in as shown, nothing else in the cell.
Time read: 10:58
